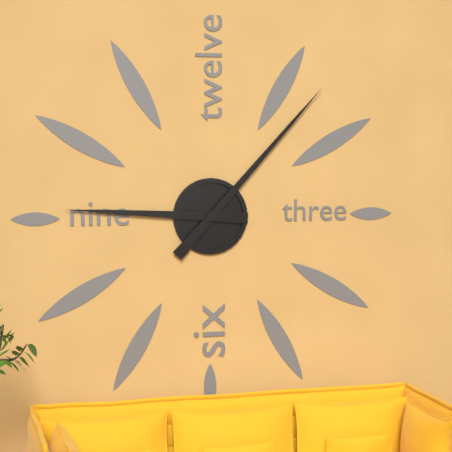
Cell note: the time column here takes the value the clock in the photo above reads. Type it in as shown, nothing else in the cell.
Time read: 9:07
